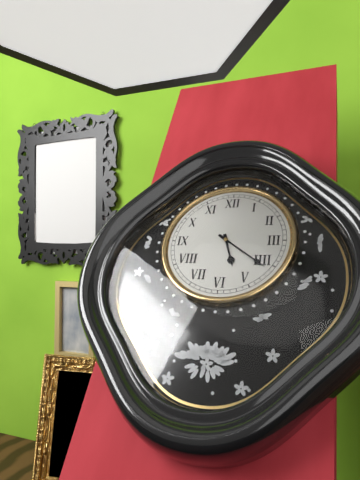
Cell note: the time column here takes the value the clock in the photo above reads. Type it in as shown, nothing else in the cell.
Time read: 5:21
